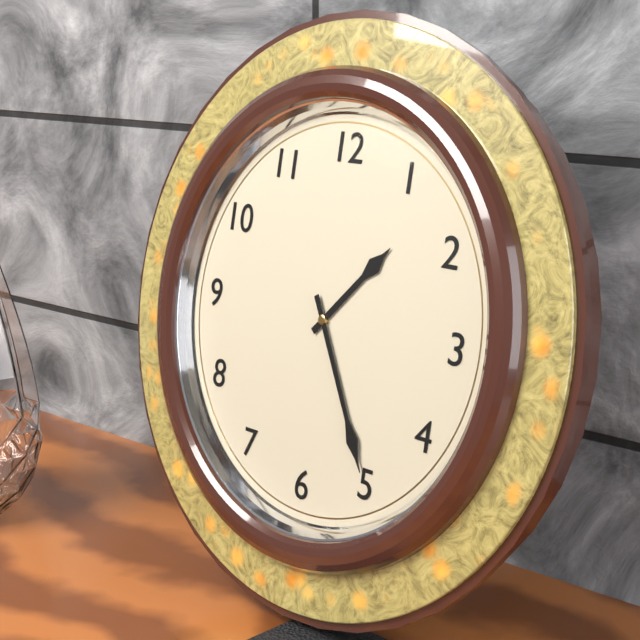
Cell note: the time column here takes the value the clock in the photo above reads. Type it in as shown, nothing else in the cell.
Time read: 1:25
